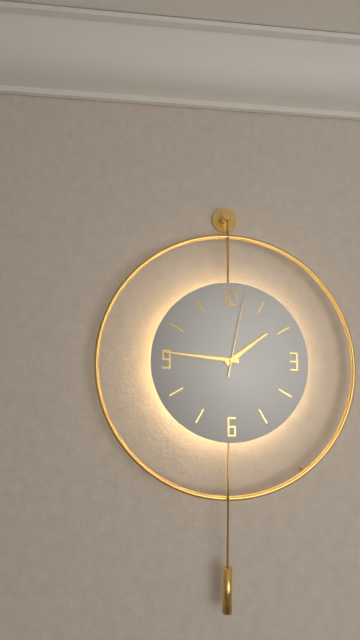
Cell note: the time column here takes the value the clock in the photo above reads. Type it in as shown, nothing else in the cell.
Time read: 1:46:02
